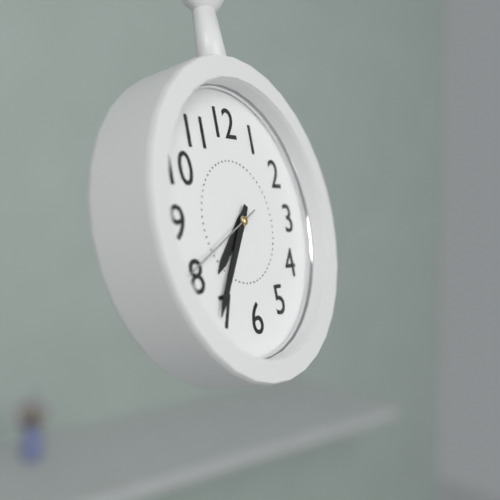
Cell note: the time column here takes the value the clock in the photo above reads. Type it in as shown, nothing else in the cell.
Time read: 7:36:41
